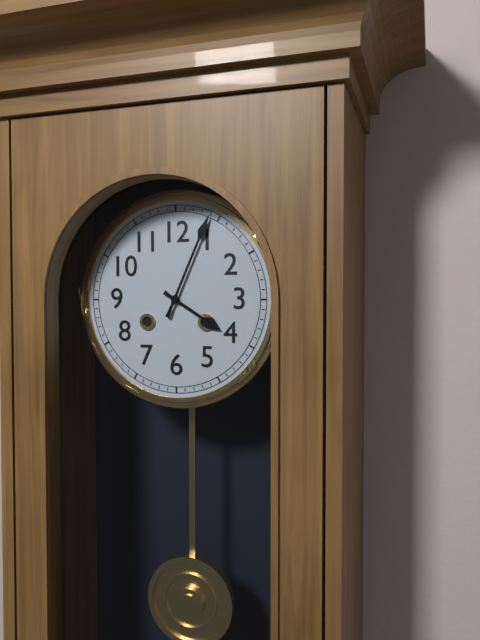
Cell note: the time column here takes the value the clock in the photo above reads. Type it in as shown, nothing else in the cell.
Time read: 4:04
